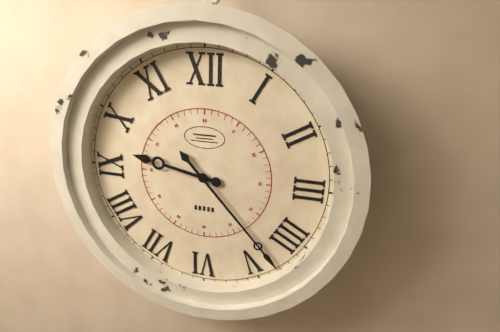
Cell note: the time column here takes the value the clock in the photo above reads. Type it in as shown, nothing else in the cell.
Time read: 9:23
